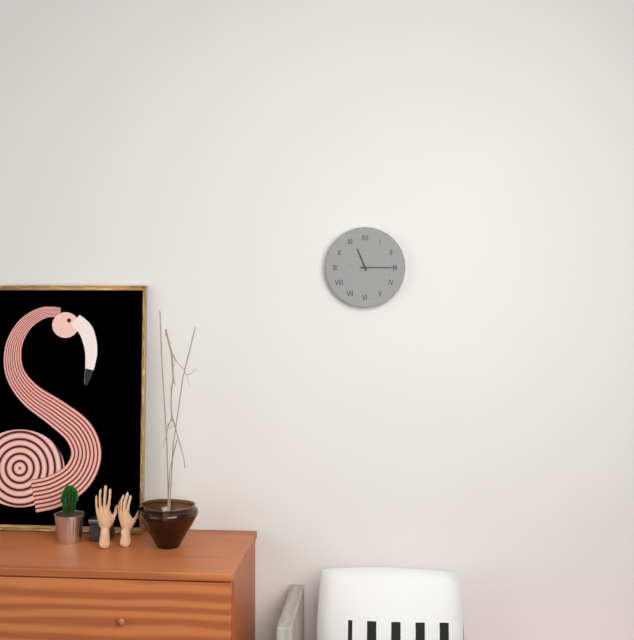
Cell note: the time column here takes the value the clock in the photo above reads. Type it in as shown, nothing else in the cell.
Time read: 11:15
